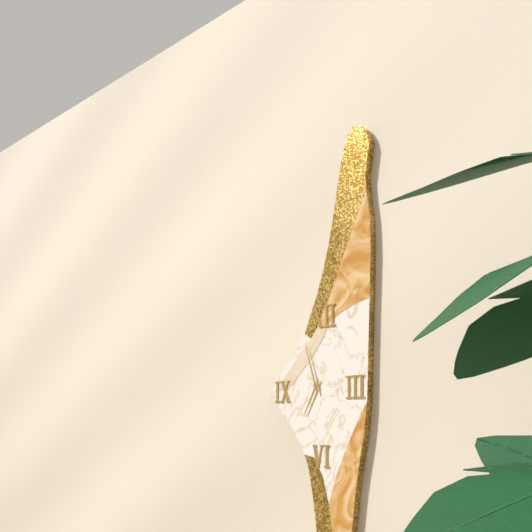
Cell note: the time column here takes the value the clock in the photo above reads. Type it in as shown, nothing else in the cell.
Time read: 6:57
